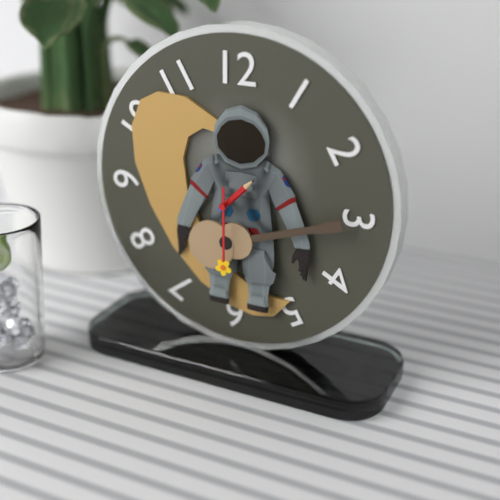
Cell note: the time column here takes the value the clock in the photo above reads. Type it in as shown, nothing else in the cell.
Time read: 1:30
